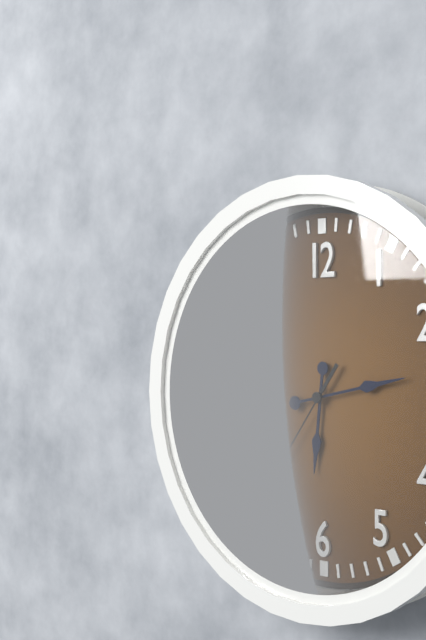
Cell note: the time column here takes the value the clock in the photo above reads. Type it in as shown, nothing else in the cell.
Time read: 6:13:36
